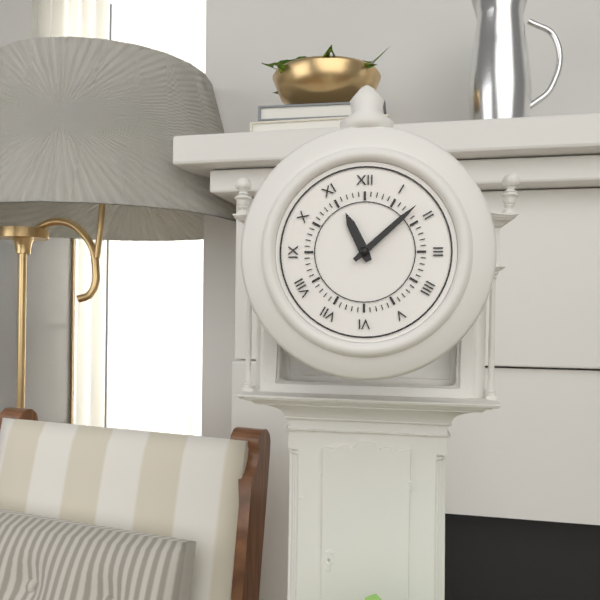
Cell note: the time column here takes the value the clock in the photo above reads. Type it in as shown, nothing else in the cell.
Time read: 11:08
